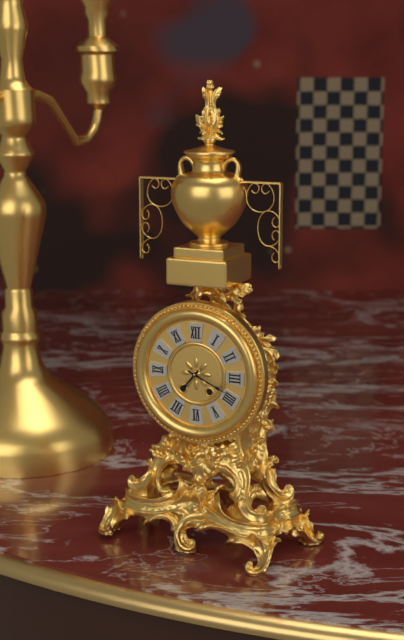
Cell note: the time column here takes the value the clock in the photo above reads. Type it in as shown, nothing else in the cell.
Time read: 7:19
